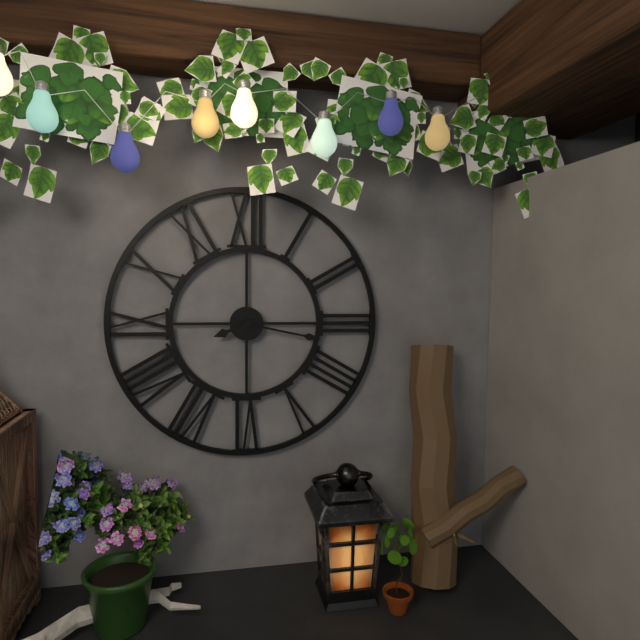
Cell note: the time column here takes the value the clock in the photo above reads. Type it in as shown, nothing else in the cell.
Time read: 8:17
